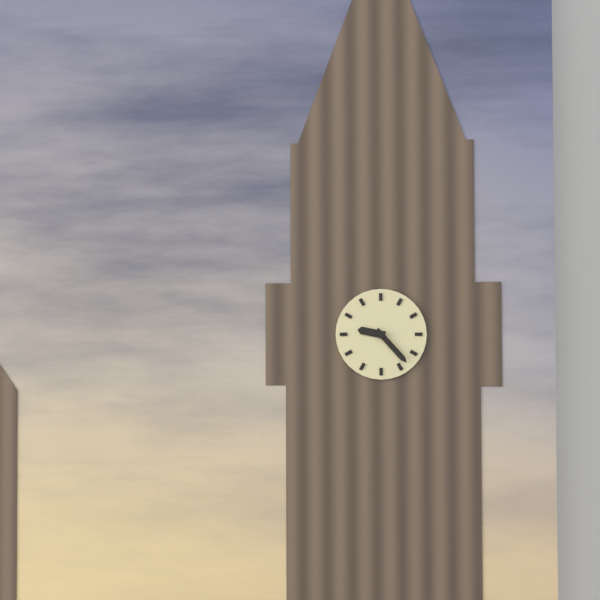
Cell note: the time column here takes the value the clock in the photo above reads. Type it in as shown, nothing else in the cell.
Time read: 9:23
